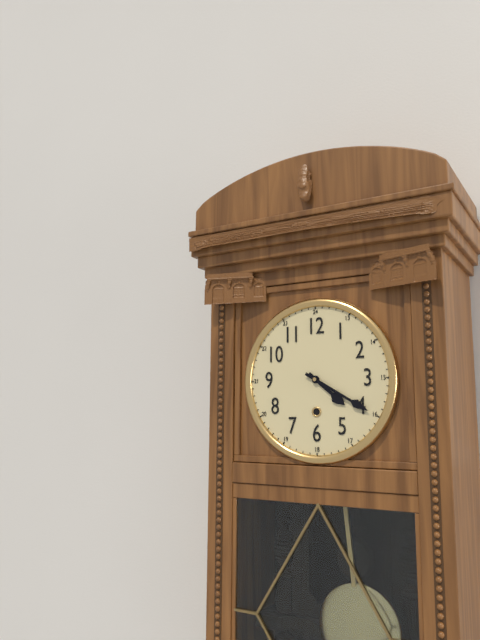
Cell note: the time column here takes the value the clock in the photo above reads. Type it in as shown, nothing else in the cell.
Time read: 4:20
